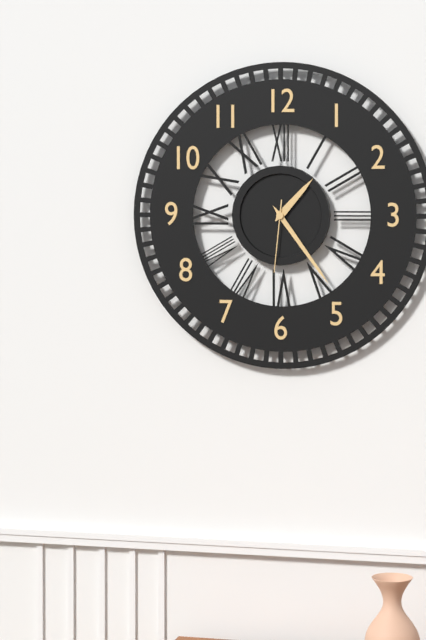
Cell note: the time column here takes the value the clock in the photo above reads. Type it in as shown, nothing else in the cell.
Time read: 1:24:31
